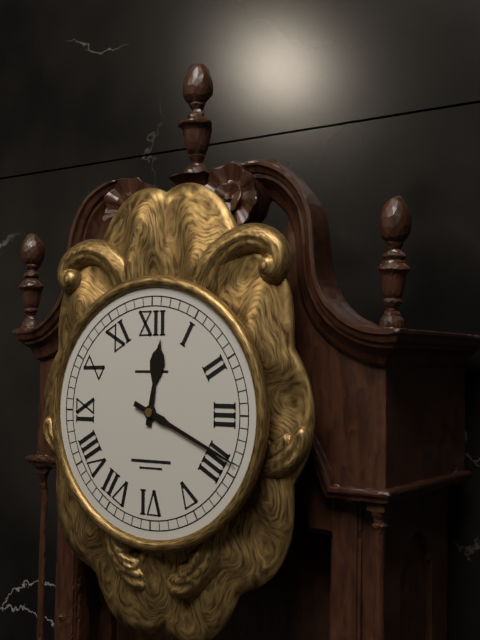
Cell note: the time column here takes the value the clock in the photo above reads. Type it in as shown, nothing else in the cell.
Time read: 12:19
